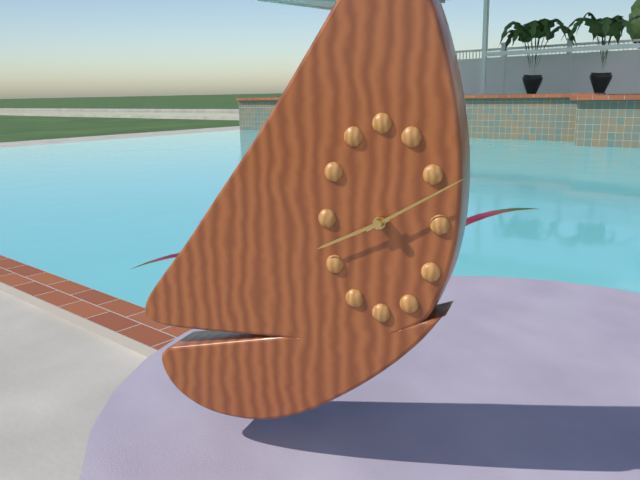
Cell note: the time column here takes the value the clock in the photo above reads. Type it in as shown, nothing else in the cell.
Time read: 8:10
